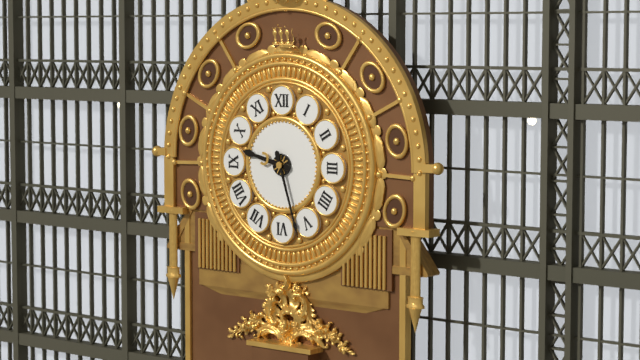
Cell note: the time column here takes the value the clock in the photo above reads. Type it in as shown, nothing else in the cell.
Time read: 9:27
